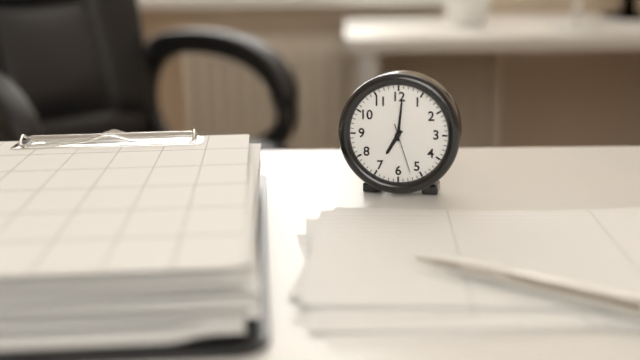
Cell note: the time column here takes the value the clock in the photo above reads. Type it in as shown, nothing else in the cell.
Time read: 7:01:27
